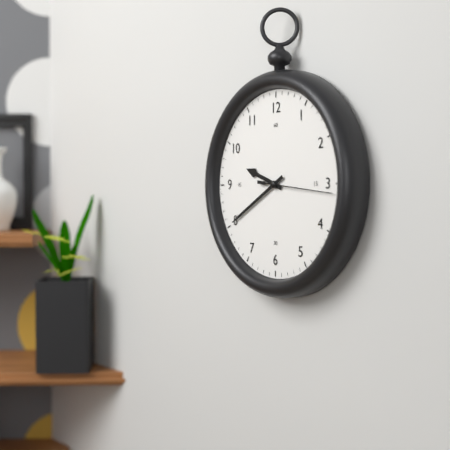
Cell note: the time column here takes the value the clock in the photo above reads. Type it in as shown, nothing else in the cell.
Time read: 9:40:16
